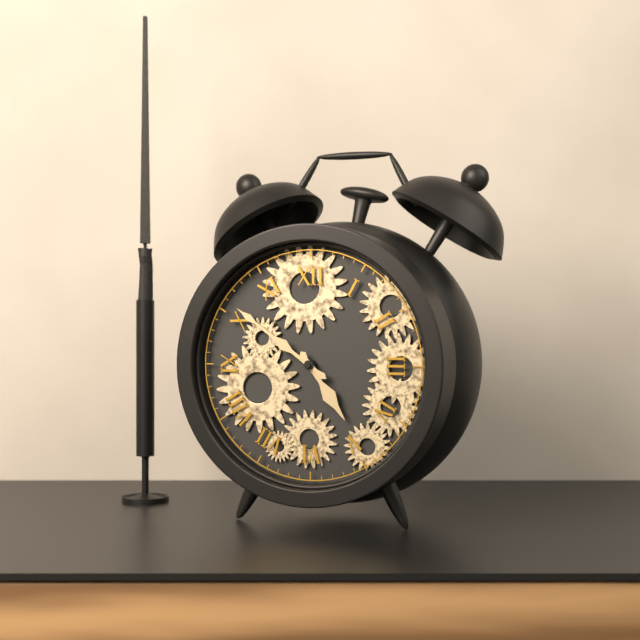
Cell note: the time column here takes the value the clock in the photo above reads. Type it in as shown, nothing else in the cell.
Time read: 4:51
